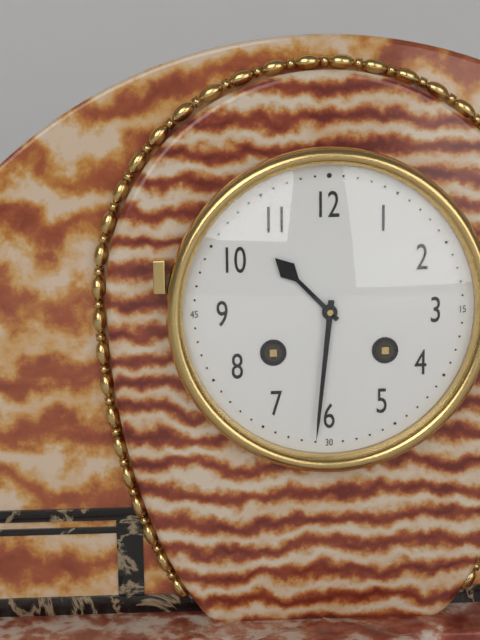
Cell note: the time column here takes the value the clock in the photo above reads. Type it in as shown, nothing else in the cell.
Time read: 10:31
